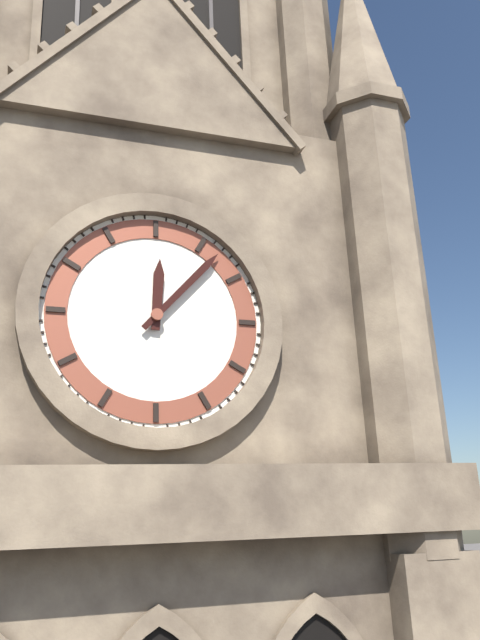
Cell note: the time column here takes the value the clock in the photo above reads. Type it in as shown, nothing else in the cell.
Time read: 12:07
